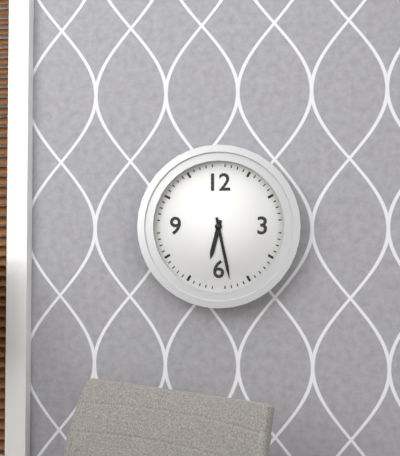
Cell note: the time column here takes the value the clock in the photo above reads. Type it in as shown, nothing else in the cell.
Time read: 6:28
